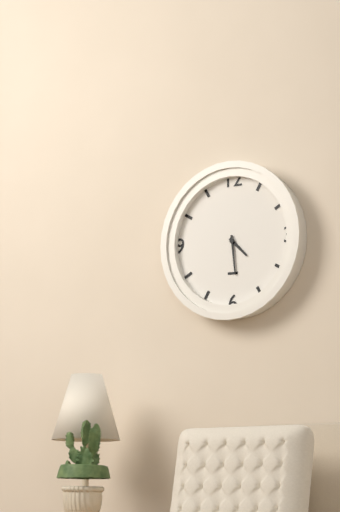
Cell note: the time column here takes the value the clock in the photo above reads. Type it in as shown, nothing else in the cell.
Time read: 4:29
